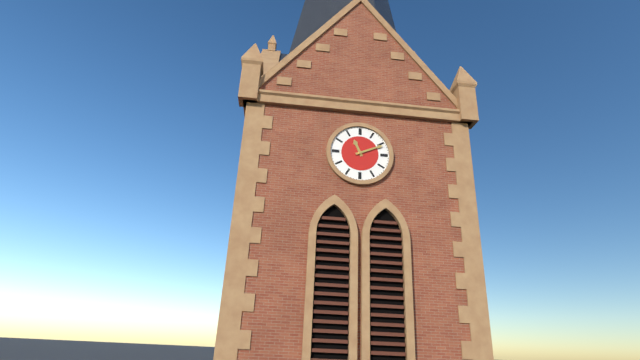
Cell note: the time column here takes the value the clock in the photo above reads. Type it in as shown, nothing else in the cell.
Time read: 11:11
